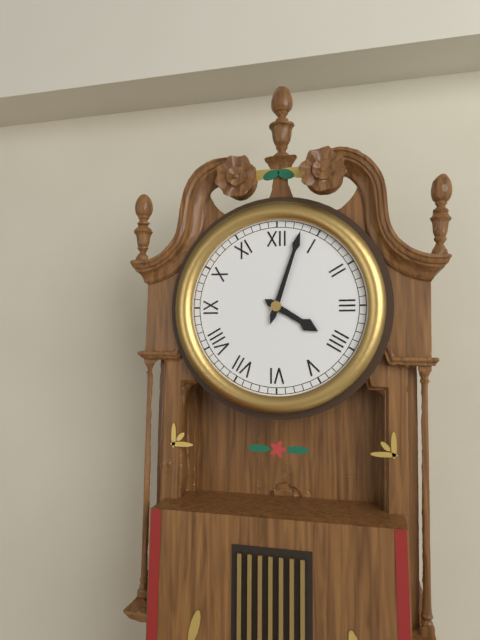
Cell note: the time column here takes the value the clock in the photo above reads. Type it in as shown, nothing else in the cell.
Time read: 4:03
